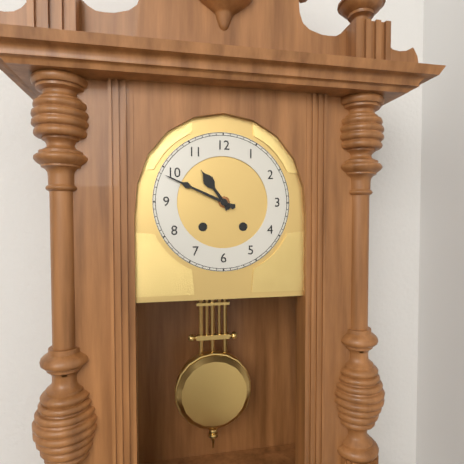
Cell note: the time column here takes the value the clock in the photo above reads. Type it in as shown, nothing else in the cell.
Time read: 10:49
